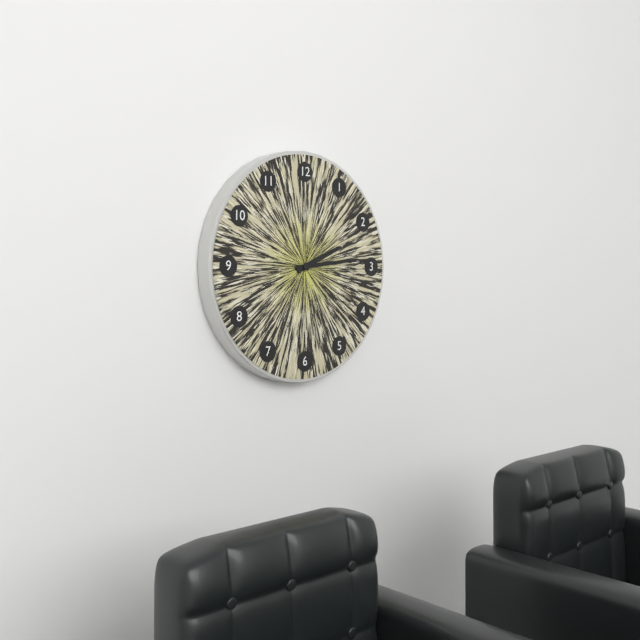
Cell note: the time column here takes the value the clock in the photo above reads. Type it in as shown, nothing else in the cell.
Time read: 2:14
